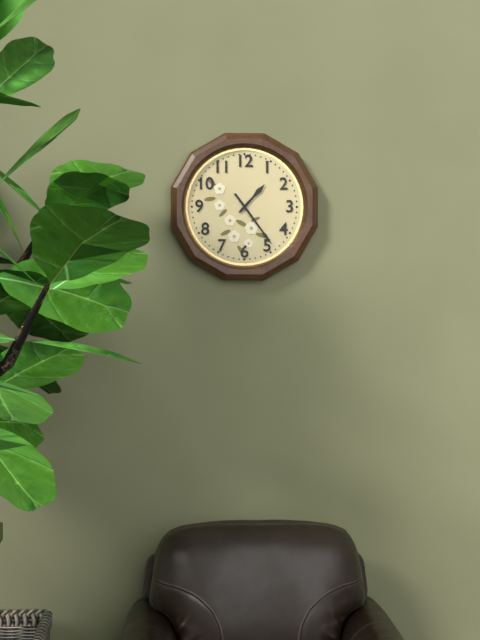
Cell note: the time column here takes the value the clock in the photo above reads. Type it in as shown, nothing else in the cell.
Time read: 1:24
